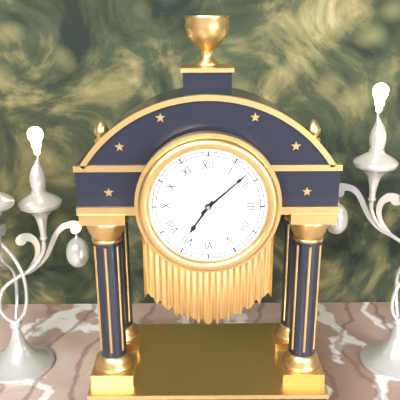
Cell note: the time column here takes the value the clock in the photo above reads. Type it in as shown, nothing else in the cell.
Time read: 7:08
